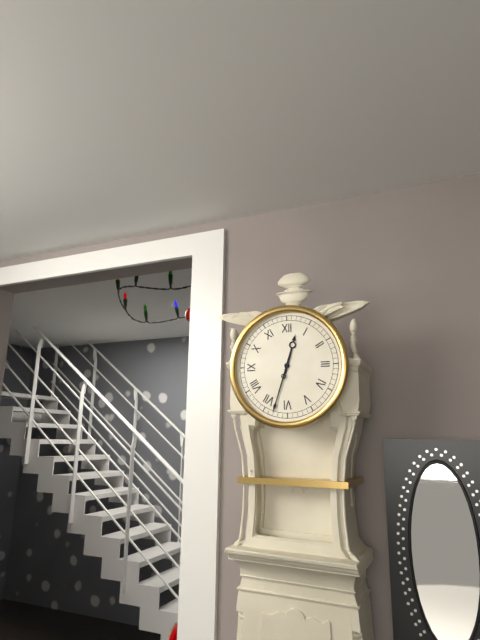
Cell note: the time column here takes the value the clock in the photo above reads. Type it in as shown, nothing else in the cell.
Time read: 12:33
